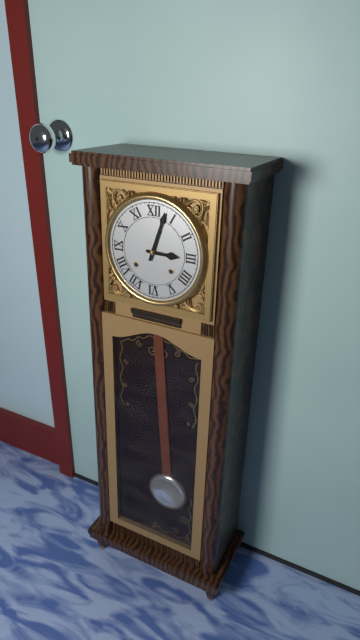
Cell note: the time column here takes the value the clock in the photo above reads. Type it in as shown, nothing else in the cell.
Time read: 3:03
